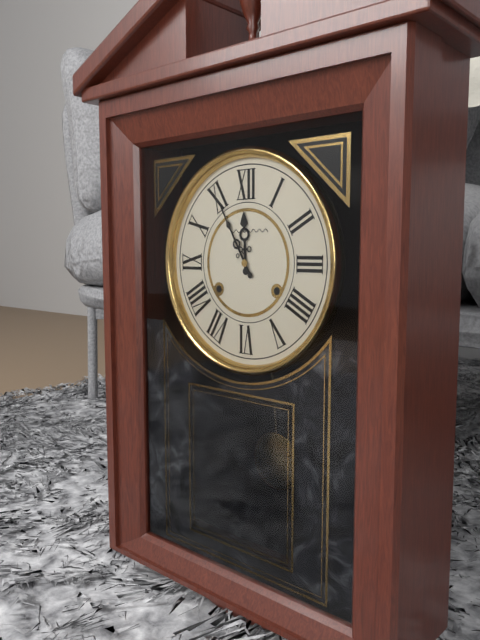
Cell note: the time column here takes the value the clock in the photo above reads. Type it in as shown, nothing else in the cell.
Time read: 11:55
